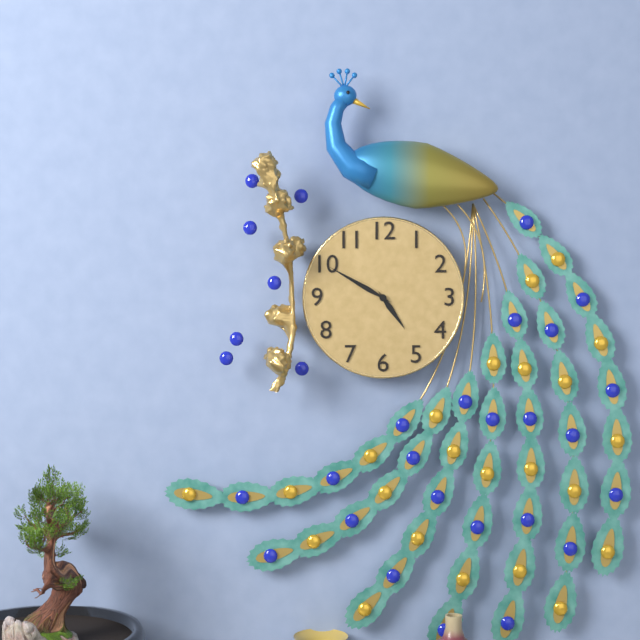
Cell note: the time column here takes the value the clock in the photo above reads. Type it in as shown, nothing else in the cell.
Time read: 4:50
